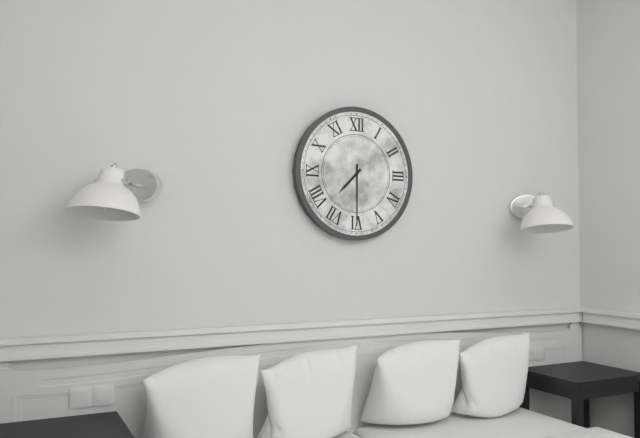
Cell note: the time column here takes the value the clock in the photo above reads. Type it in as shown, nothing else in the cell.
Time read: 7:30
